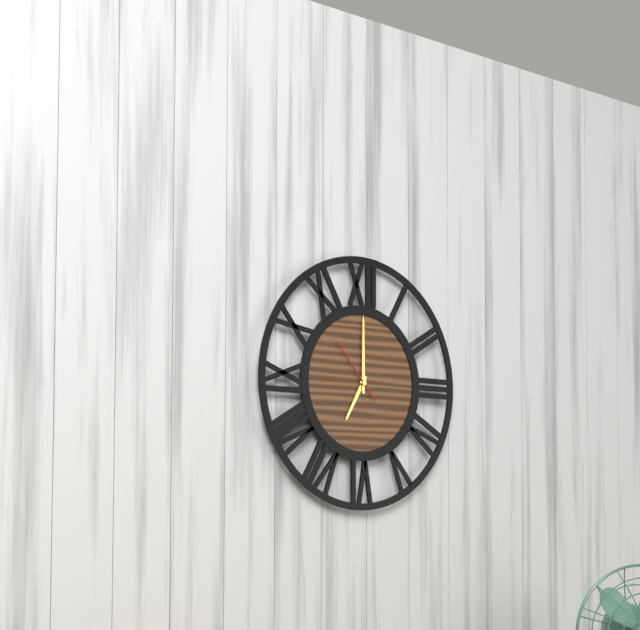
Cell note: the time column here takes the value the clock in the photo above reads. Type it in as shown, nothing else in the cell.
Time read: 7:00:53
